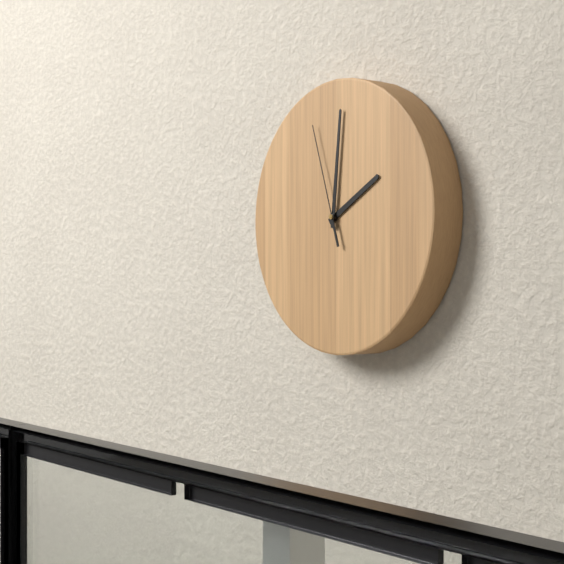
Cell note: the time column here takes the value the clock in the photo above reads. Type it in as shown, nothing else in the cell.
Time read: 2:01:57
